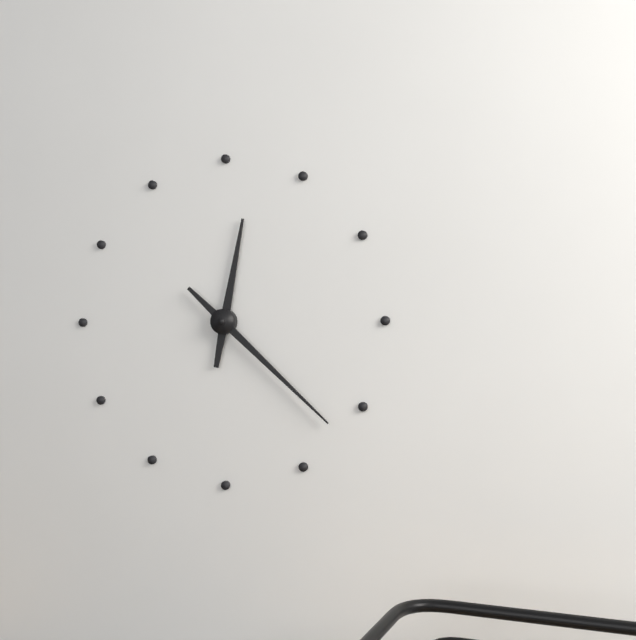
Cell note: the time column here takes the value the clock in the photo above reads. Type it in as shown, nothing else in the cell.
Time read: 12:22
